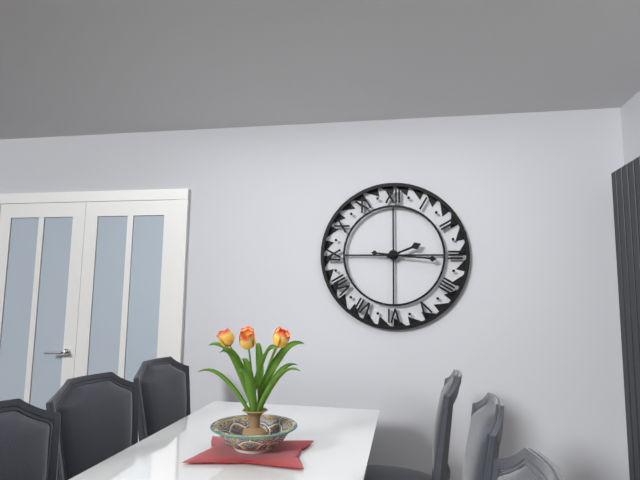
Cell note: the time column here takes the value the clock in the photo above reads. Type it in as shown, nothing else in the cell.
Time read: 2:16
